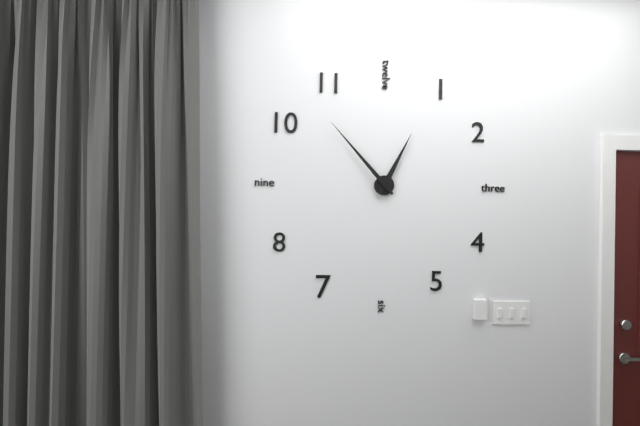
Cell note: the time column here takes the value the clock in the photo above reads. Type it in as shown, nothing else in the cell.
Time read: 12:53
